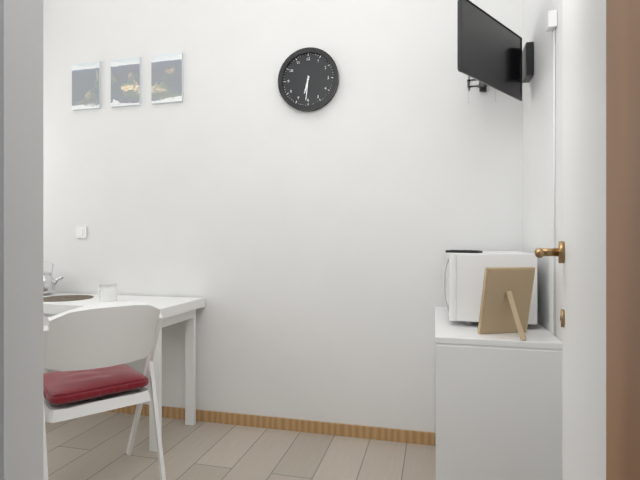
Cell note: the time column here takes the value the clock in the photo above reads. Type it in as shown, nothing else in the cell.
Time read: 6:31
